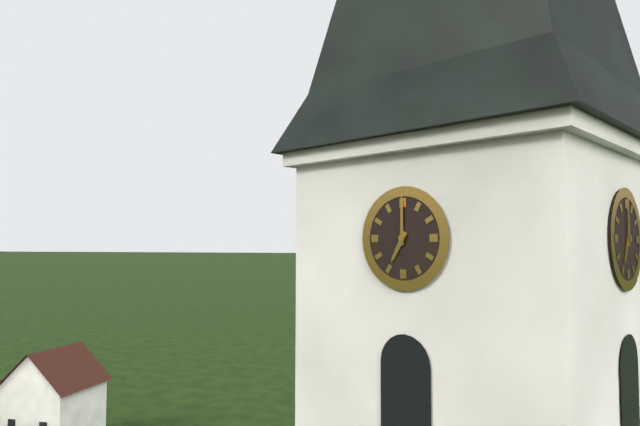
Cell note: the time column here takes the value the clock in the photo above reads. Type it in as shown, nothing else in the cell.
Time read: 7:00
